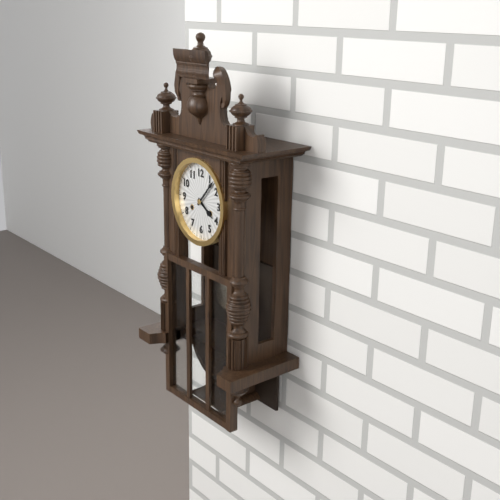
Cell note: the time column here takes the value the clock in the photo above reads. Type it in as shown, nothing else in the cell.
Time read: 4:07
